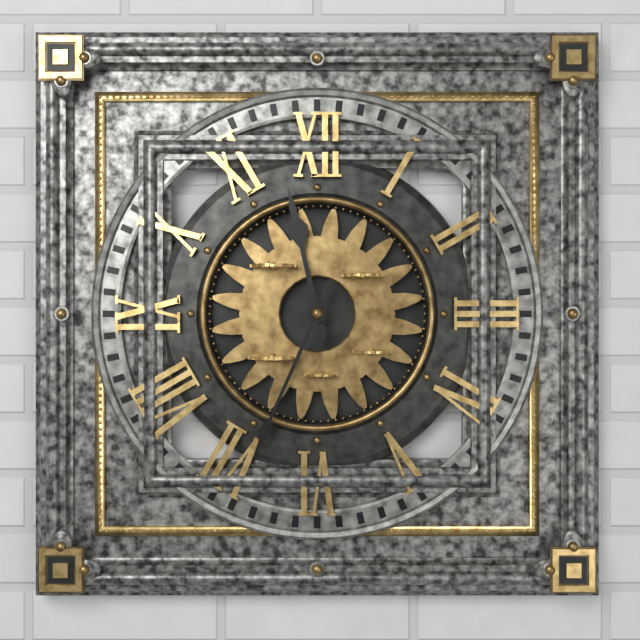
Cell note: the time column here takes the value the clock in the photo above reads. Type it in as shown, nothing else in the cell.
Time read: 11:34
